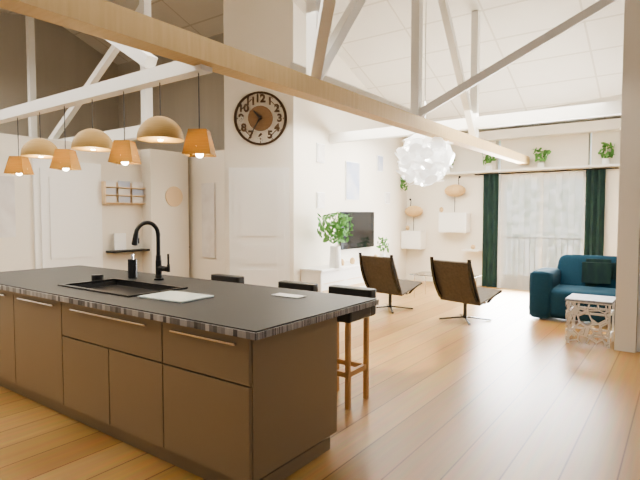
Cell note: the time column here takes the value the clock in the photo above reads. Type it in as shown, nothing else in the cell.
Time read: 10:35
